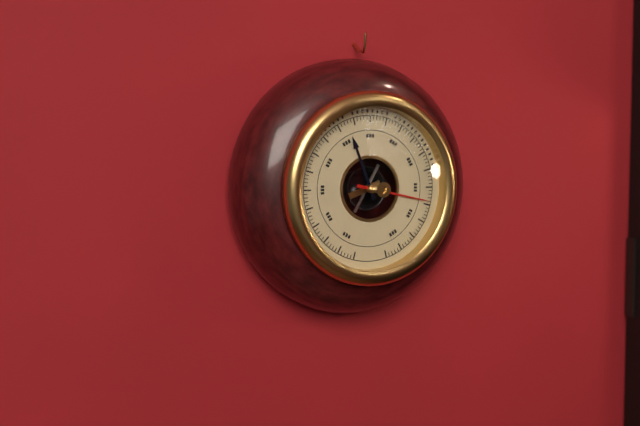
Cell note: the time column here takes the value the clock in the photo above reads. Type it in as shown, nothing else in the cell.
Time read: 11:17
